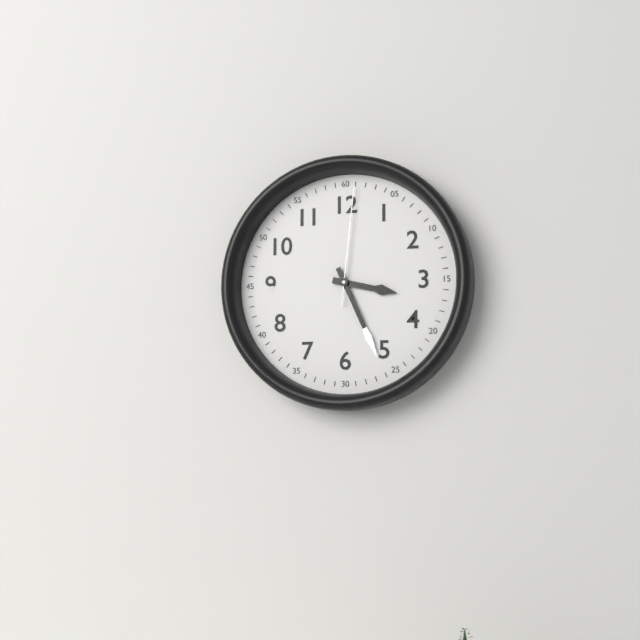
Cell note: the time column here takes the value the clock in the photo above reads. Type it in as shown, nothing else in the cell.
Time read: 3:26:01
